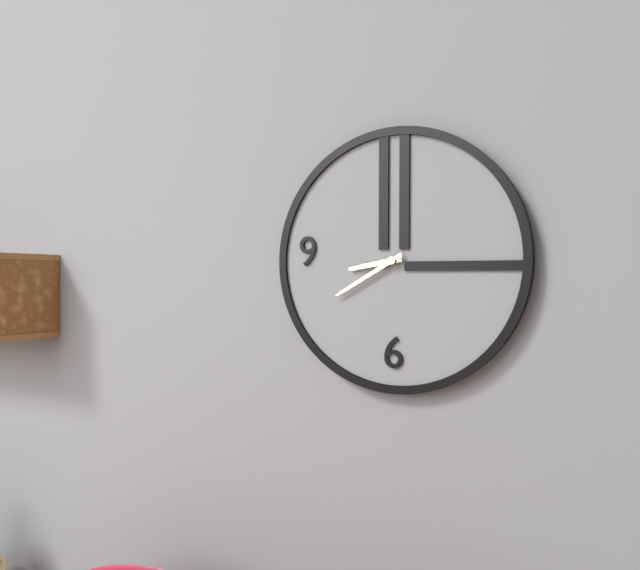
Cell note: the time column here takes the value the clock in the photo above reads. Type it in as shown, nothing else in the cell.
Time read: 8:40
